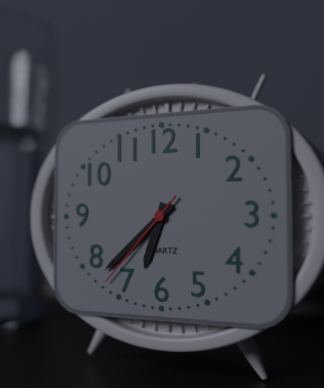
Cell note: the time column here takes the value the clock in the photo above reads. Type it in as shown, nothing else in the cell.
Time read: 6:38:37
